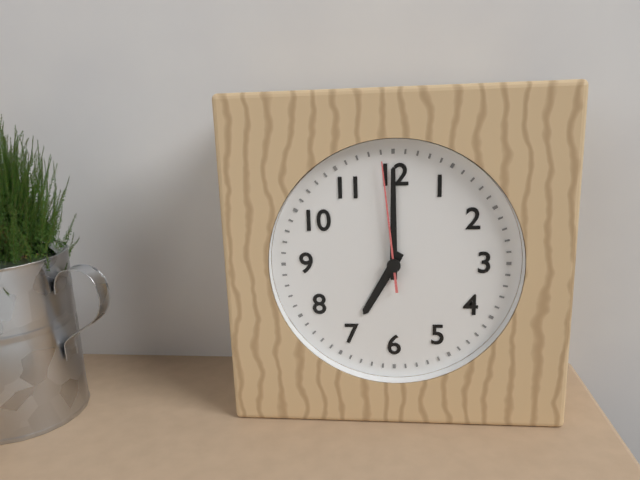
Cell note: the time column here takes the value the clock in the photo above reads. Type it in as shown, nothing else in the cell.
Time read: 7:00:59
